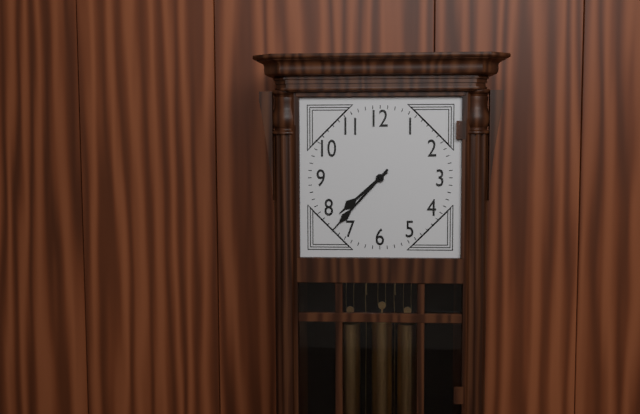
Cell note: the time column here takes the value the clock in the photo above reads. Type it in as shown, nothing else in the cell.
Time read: 7:37
